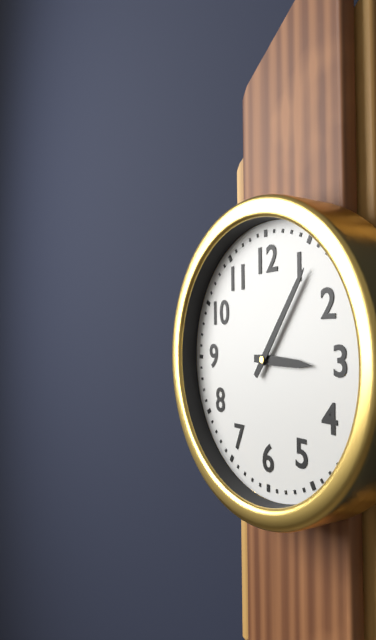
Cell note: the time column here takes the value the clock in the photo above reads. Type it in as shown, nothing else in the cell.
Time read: 3:06
